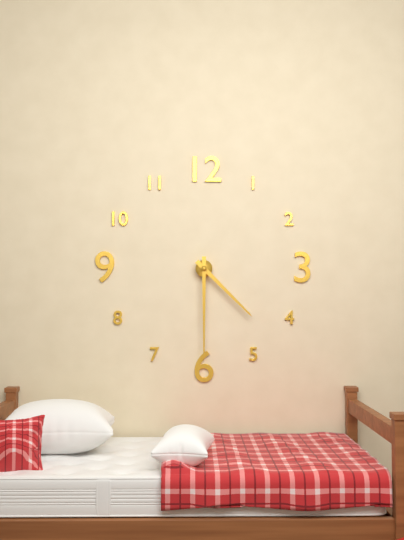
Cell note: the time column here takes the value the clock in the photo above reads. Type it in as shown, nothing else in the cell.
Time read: 4:30
